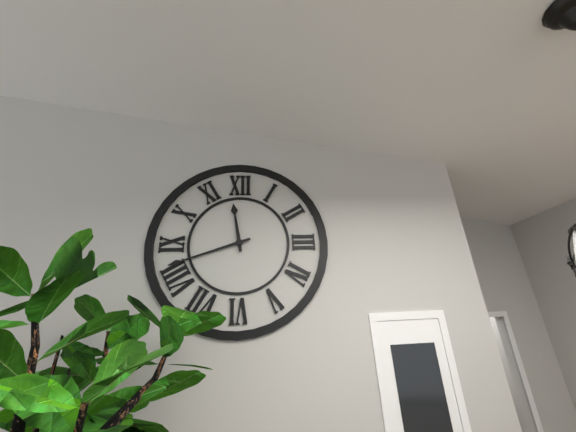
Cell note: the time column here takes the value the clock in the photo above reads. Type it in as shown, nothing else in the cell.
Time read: 11:42
